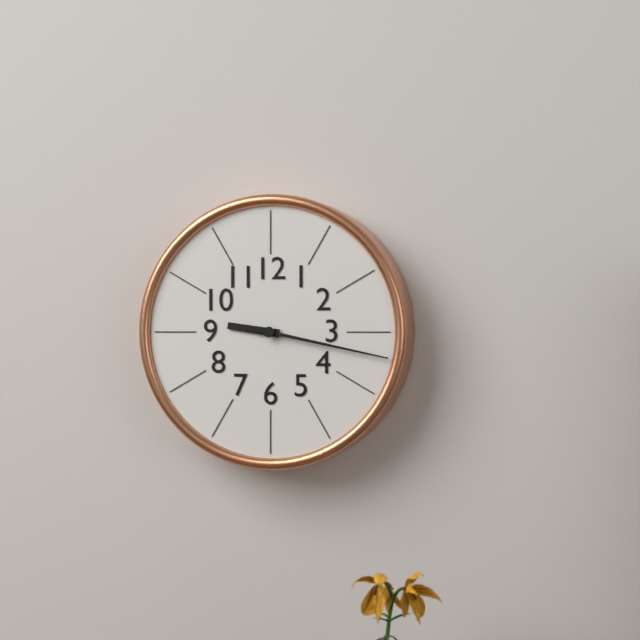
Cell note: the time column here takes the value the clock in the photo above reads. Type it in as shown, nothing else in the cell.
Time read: 9:17
